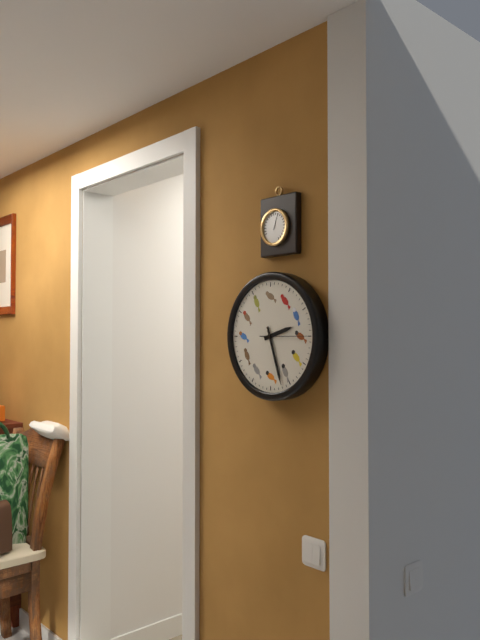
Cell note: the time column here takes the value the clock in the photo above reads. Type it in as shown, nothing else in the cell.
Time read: 2:27
